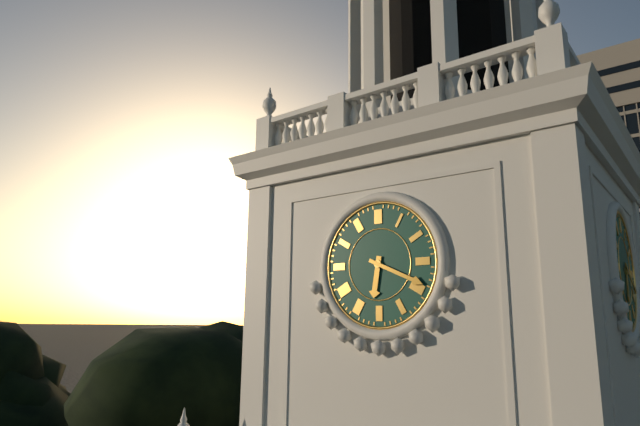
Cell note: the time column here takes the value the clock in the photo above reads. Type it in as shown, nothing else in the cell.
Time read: 6:19
